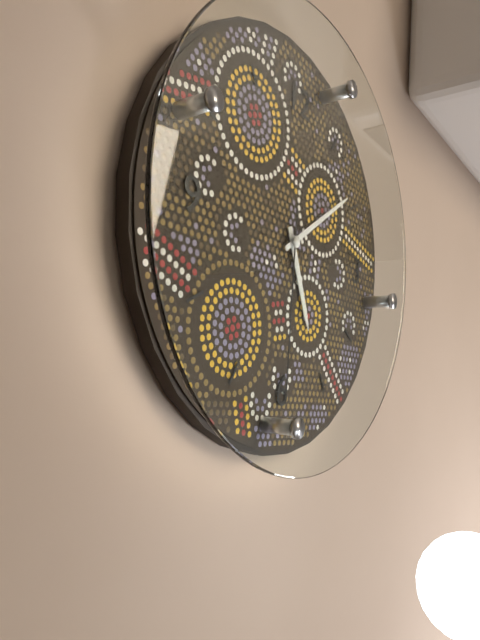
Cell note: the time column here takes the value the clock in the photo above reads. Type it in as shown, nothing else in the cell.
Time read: 5:09:30
